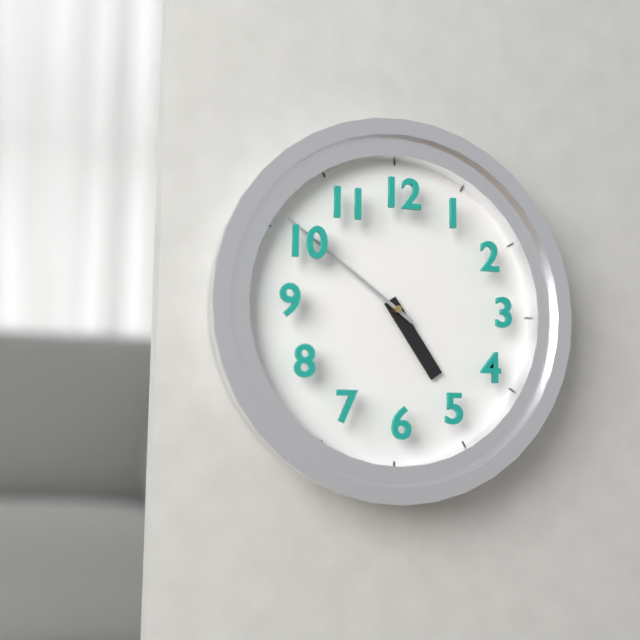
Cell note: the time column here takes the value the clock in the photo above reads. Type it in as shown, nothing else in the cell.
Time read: 4:51
